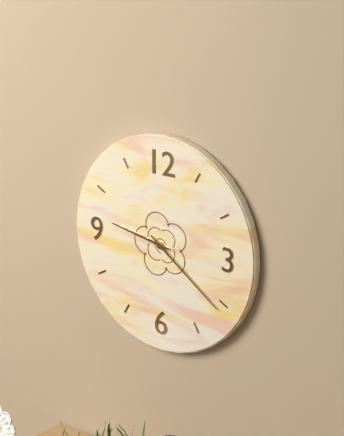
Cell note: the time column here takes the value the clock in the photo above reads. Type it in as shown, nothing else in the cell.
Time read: 9:21
